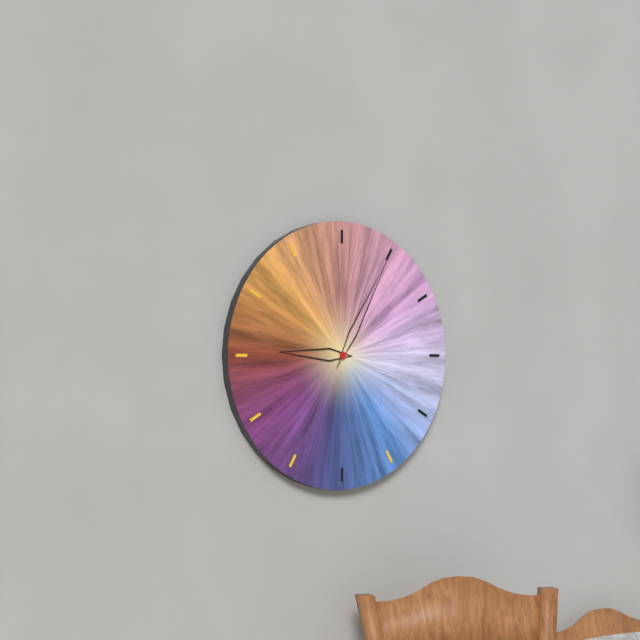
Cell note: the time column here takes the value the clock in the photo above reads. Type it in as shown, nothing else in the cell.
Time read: 9:05
